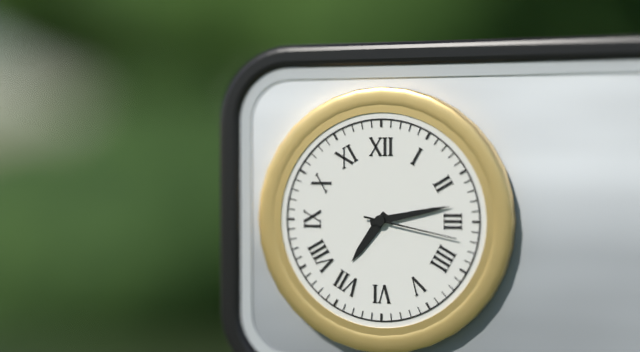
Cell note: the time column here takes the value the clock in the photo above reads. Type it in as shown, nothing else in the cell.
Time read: 7:13:17
